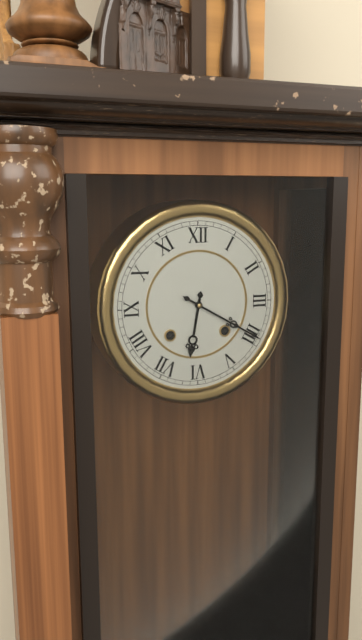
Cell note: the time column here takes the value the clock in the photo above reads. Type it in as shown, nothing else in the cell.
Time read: 6:20
